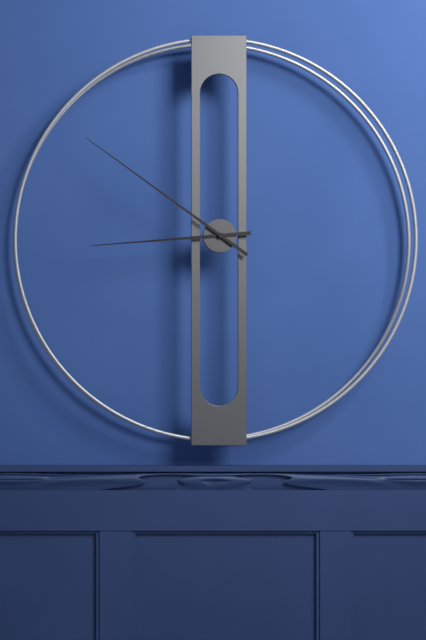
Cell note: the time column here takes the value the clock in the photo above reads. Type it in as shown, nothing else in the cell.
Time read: 8:51
